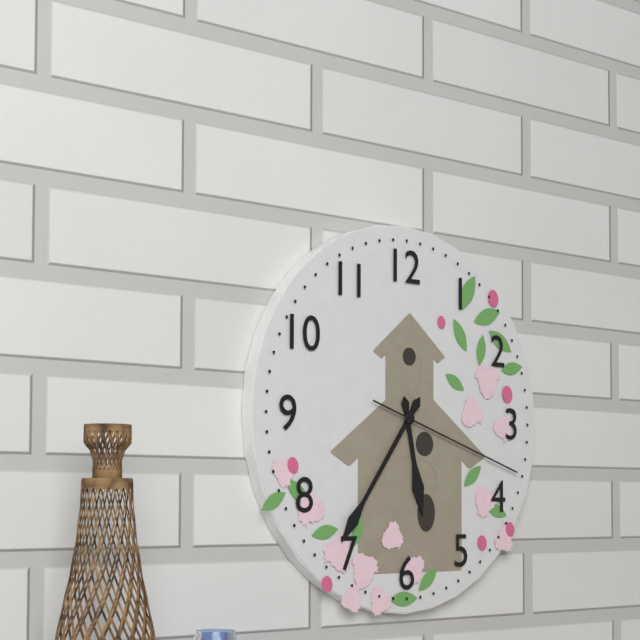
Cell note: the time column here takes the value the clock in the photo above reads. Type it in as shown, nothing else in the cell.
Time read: 5:36:18
